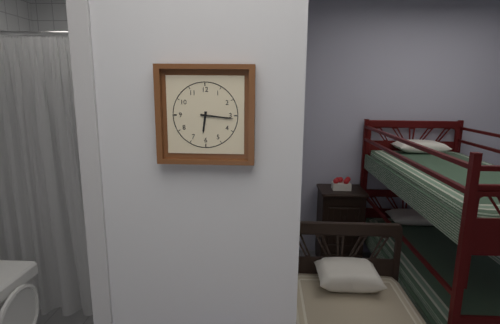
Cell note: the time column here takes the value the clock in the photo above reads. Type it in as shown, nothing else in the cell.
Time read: 6:16
